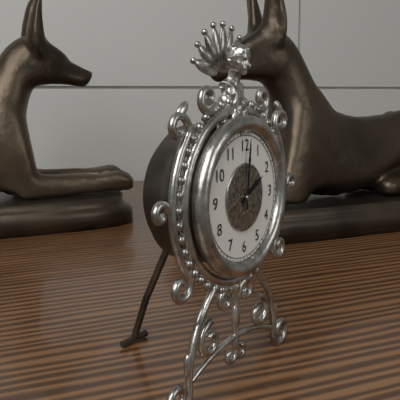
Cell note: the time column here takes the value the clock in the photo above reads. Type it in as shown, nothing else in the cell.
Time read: 2:01
